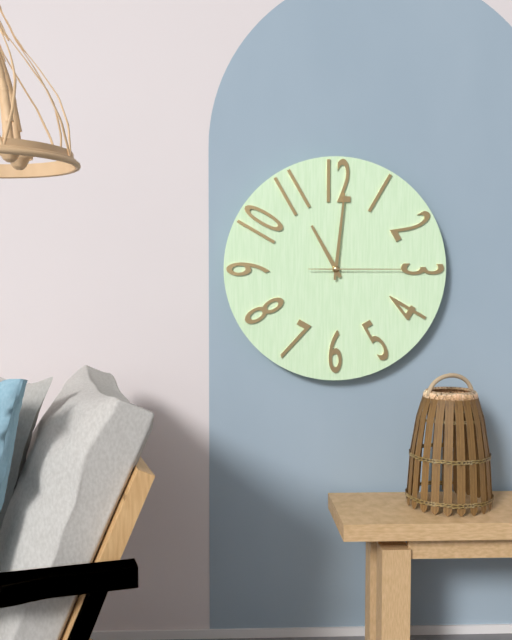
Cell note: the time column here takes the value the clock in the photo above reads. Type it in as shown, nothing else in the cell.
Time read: 11:01:15
